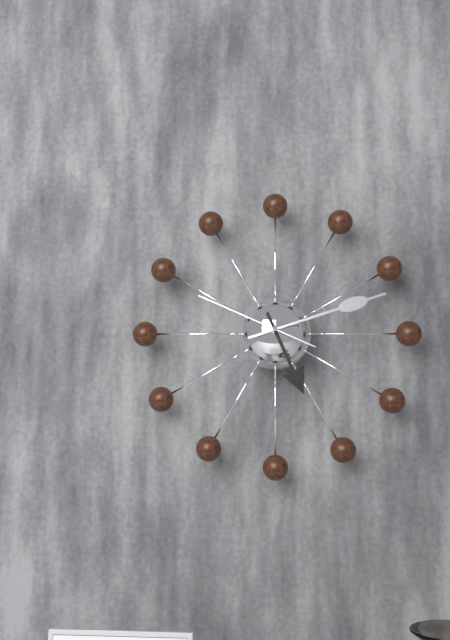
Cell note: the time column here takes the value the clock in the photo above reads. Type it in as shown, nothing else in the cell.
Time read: 5:12:49
